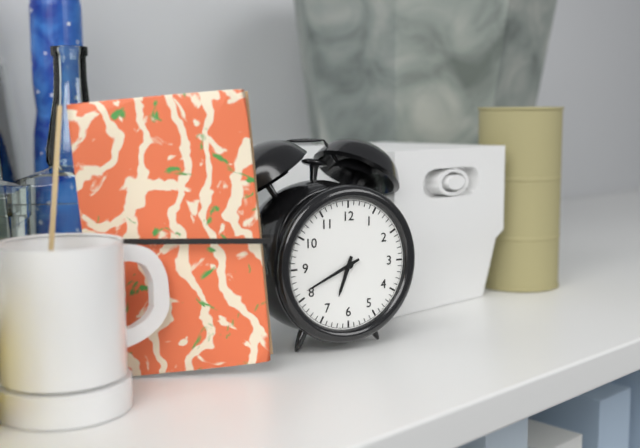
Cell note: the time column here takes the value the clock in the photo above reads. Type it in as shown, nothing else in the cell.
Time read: 6:41
